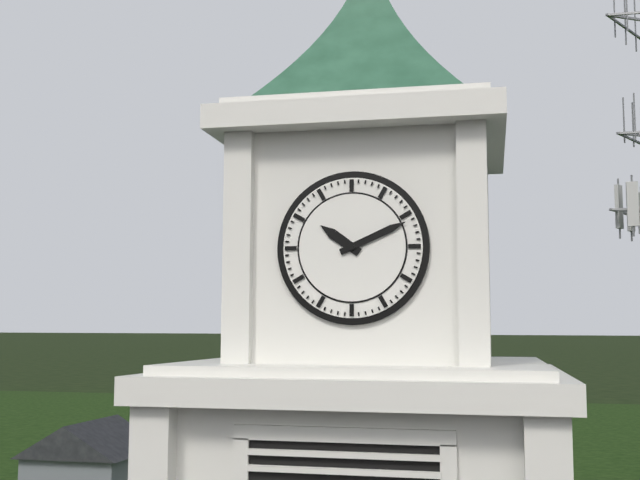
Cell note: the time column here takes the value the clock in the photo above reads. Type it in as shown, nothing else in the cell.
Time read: 10:11
